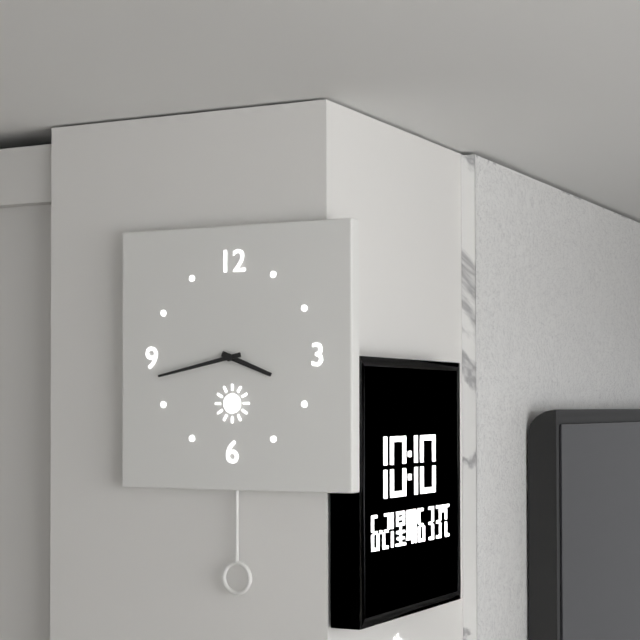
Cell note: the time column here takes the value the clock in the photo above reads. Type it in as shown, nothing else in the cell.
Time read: 3:43
